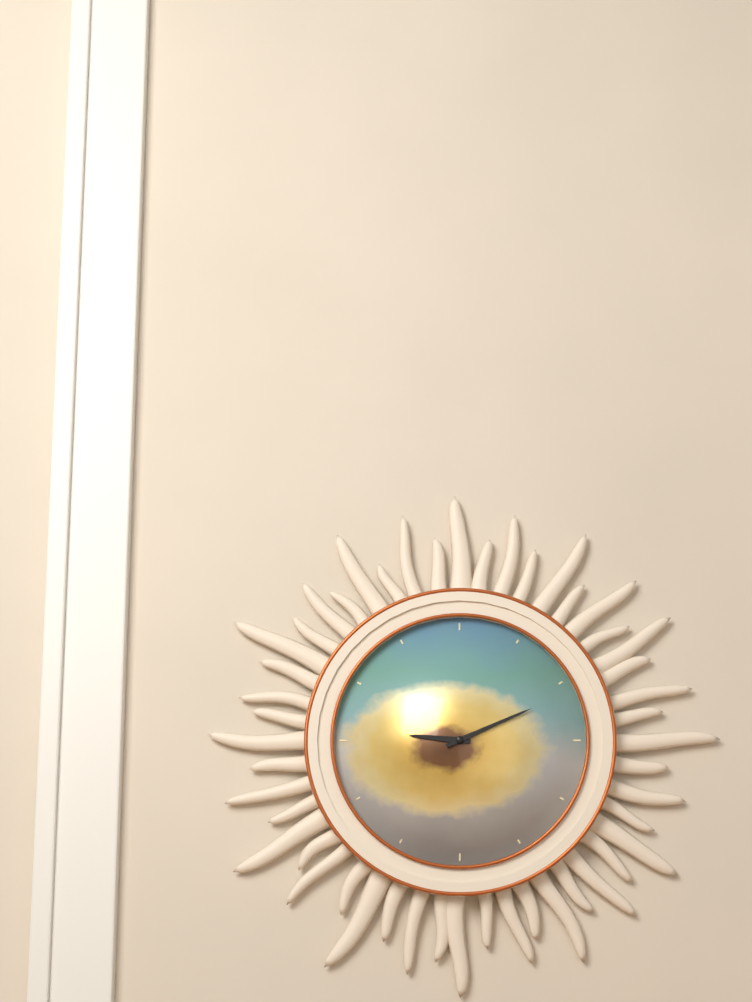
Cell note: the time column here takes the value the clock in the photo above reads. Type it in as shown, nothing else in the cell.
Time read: 9:11
